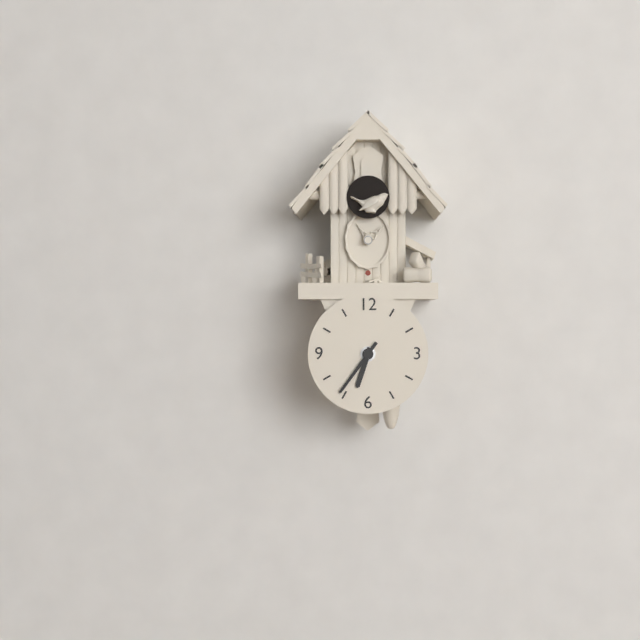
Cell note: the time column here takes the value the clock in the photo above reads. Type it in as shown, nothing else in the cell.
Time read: 6:36
